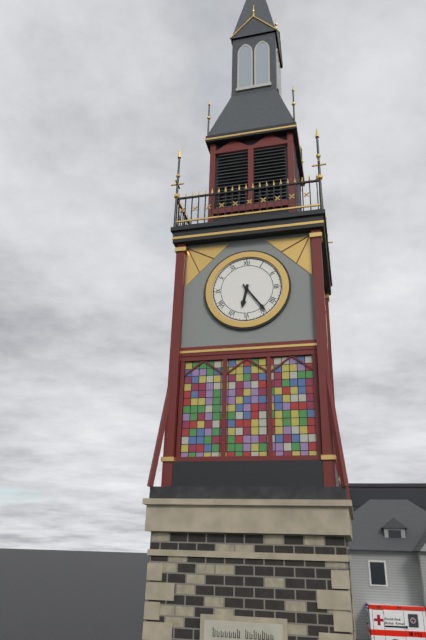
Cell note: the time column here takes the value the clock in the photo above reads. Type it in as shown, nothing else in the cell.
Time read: 6:24
